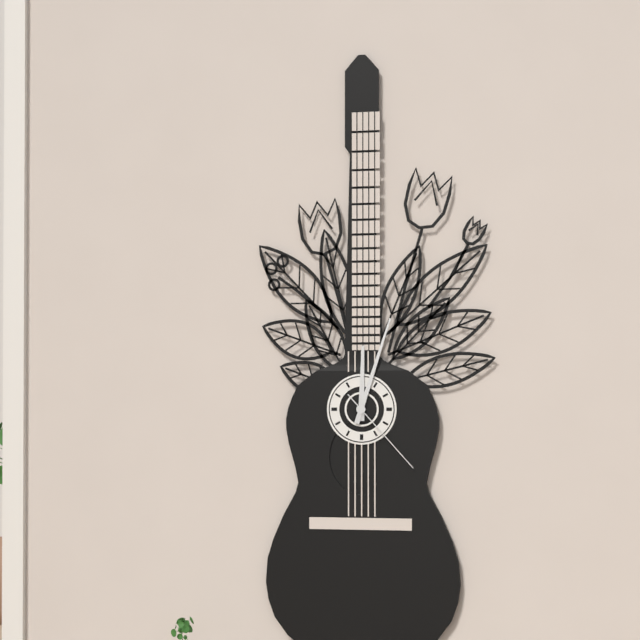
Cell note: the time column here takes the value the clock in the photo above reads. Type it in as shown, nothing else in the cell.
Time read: 12:03:23
